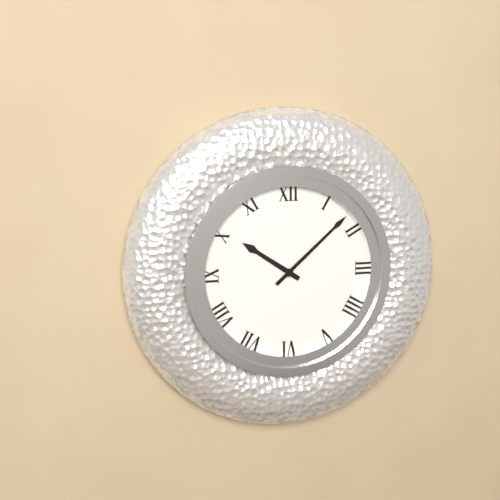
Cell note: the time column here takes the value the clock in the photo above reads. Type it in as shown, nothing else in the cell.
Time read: 10:08
